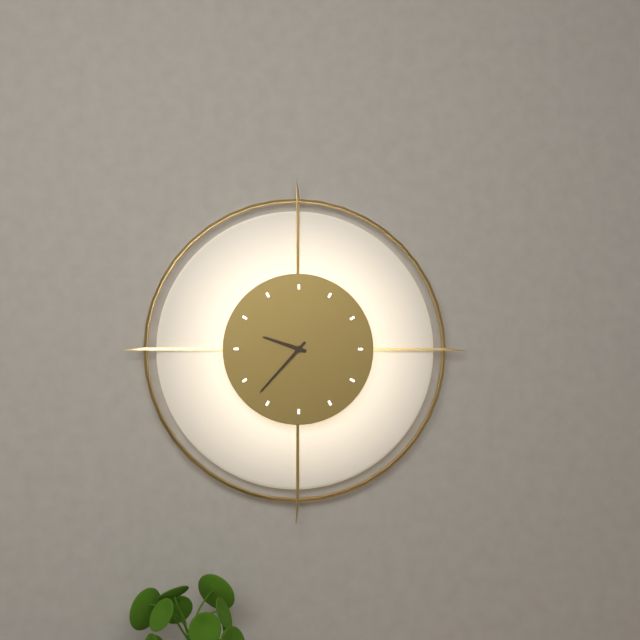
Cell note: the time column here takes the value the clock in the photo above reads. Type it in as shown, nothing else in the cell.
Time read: 9:37
